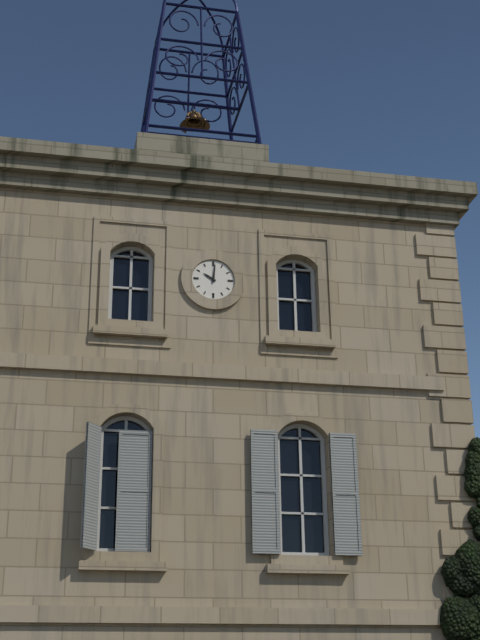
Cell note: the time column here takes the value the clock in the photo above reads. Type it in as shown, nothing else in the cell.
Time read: 10:01
